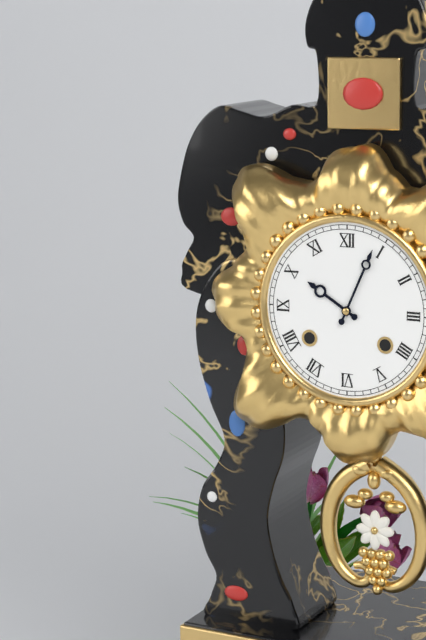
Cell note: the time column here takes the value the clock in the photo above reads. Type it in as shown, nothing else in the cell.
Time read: 10:04
